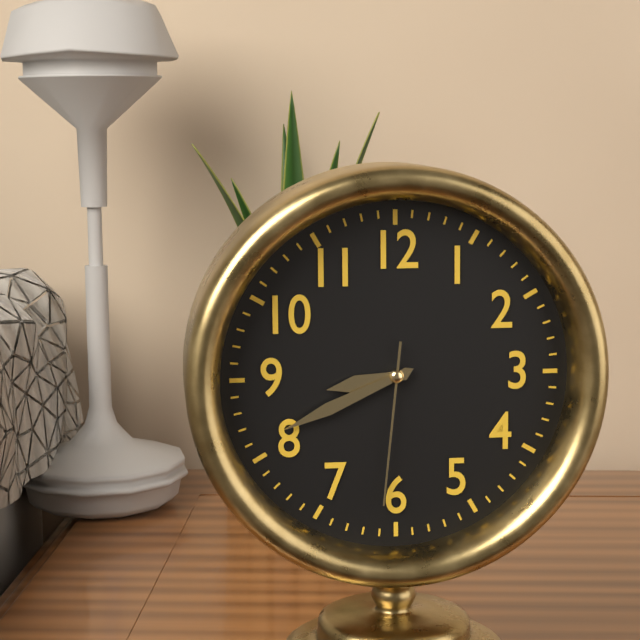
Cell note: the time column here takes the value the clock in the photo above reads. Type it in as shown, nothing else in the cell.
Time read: 8:41:31
